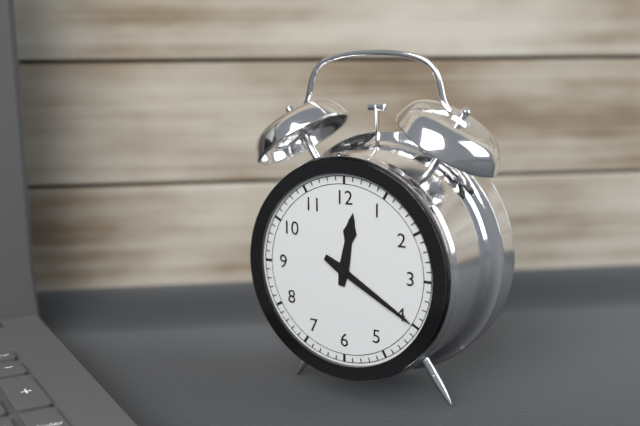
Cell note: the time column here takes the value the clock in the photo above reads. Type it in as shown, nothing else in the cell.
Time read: 12:20
